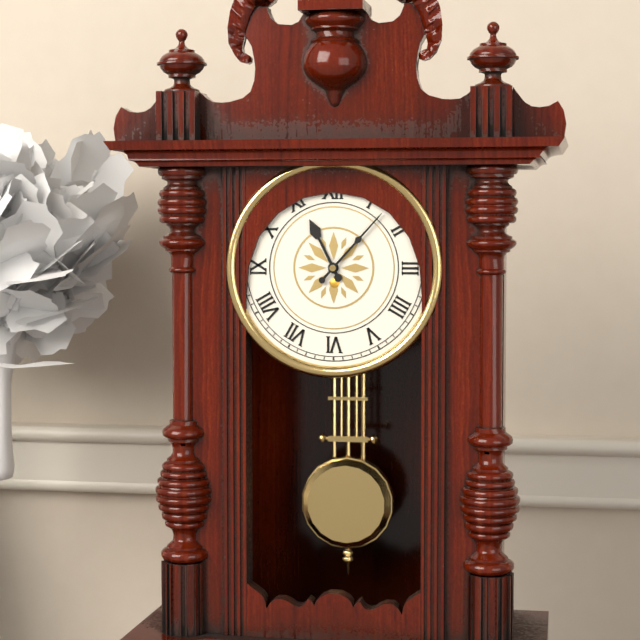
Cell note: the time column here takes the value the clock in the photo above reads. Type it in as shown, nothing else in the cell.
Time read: 11:07
